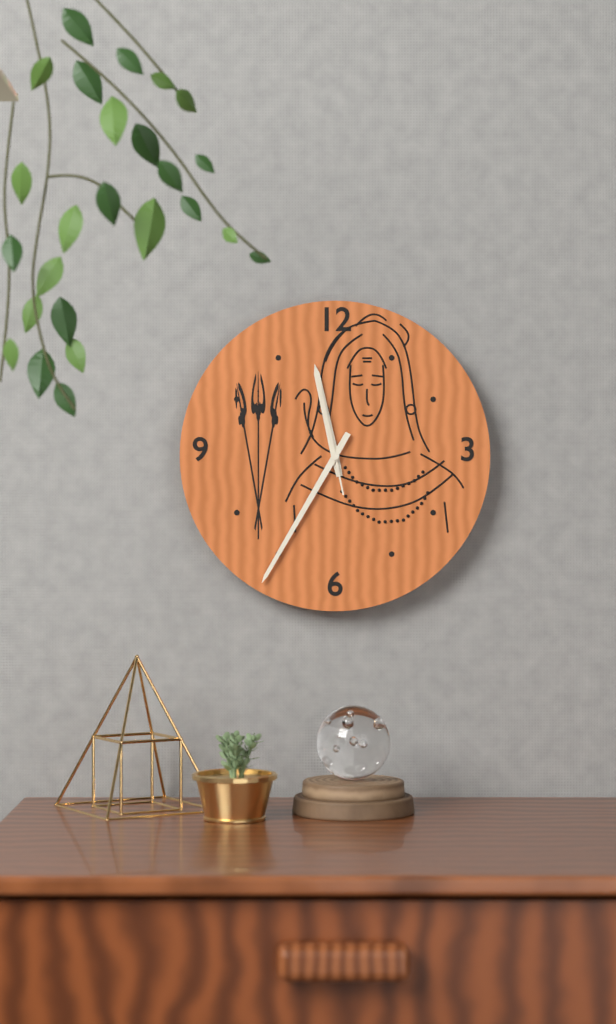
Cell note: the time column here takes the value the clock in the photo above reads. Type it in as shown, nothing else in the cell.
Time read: 11:35:58
